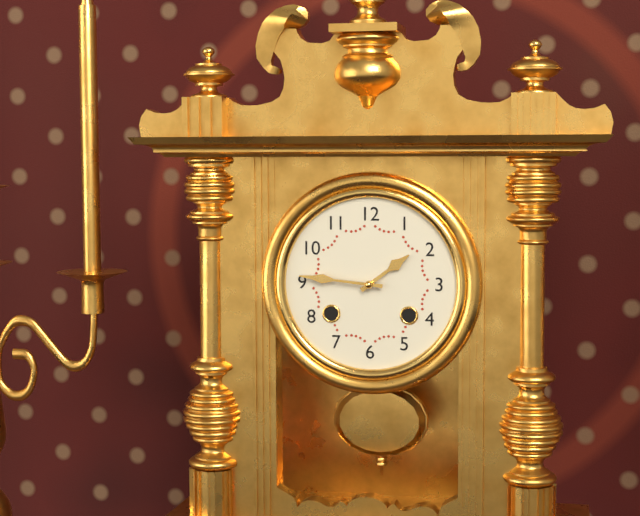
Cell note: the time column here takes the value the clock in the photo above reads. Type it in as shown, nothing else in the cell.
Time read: 1:46
